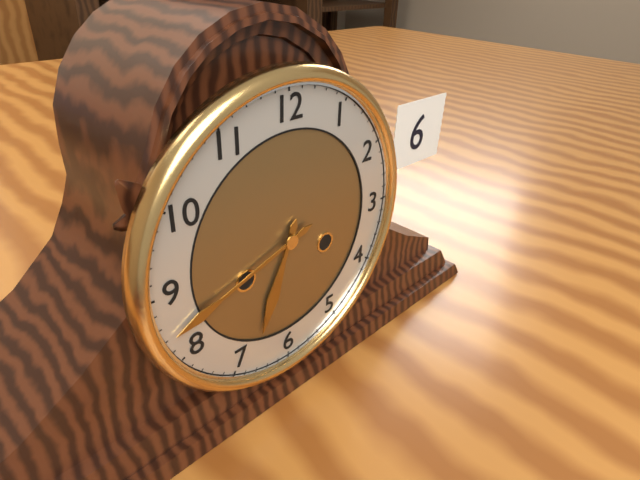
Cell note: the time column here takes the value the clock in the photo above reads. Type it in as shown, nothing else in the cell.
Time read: 6:42
